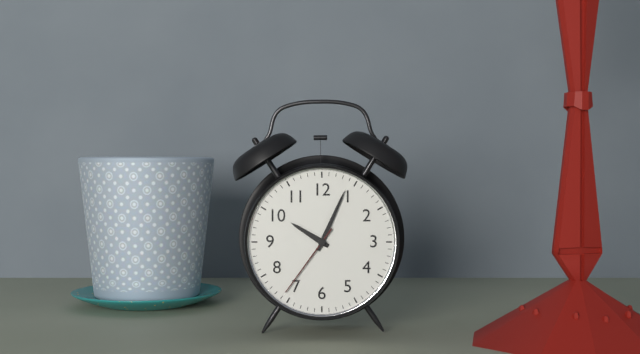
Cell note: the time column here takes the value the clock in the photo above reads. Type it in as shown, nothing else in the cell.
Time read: 10:04:36
